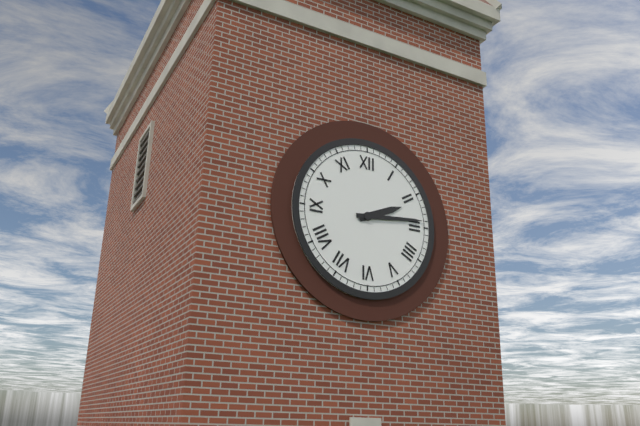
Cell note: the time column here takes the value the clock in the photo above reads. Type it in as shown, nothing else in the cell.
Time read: 2:14
